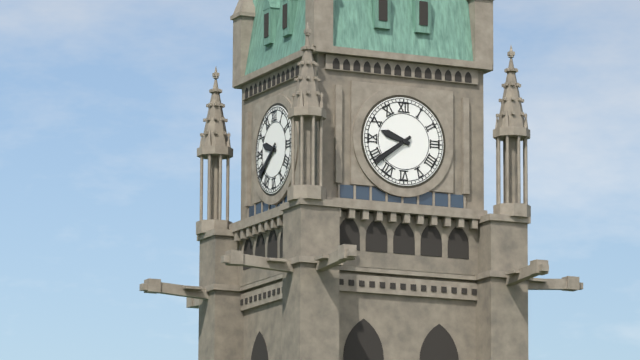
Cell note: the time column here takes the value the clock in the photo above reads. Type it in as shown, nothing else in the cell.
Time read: 9:39
